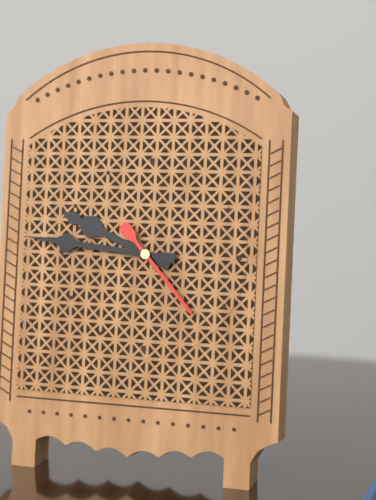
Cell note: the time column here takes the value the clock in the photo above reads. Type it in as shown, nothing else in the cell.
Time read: 9:46:23
